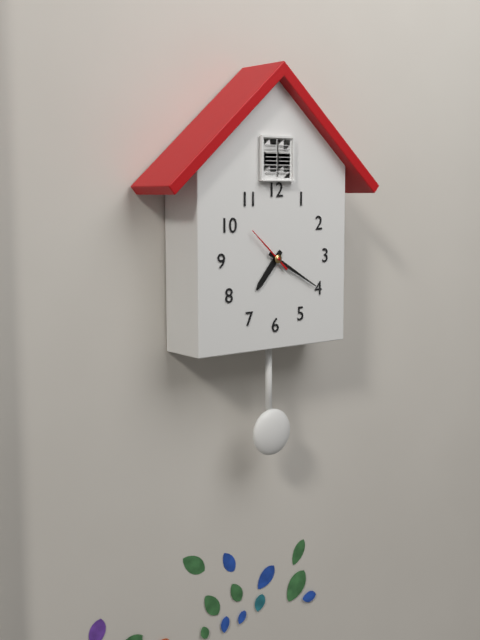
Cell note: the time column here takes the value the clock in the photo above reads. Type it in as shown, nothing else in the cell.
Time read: 7:20
